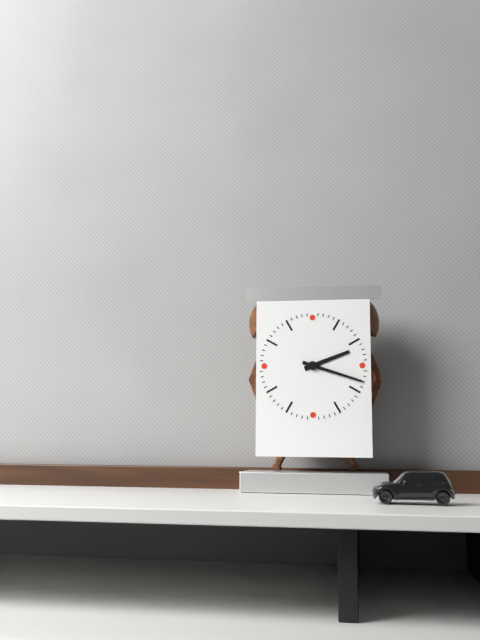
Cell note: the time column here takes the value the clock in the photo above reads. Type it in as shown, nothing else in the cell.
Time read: 2:18
